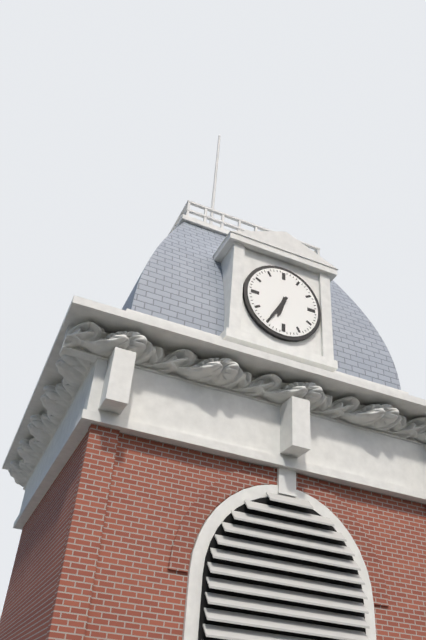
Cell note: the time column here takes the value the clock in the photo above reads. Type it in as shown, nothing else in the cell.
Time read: 6:35
